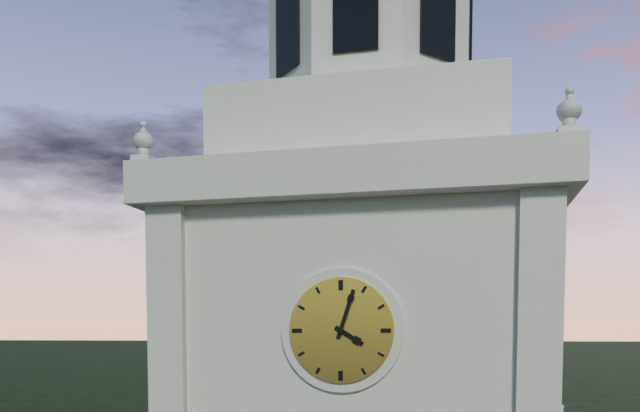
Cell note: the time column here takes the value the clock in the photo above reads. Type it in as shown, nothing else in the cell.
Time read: 4:03
